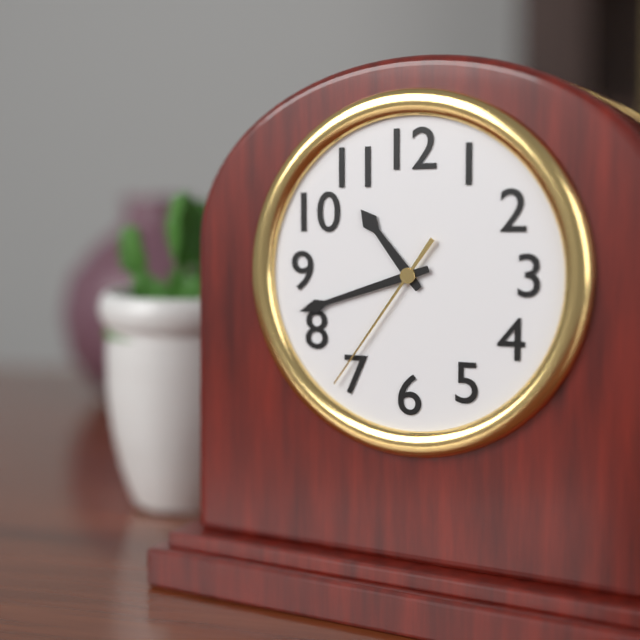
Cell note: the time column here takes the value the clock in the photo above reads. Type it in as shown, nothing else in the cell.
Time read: 10:42:36
